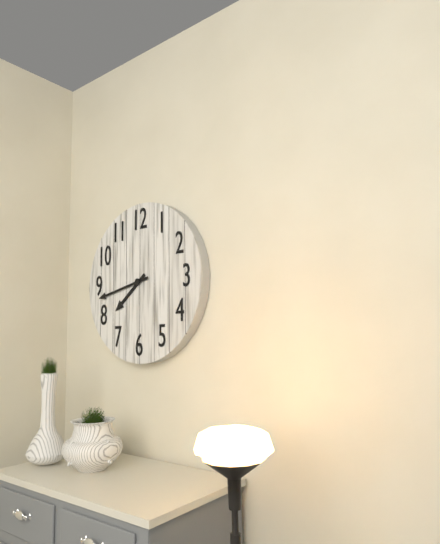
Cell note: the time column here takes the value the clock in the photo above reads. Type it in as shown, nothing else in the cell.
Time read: 7:43
